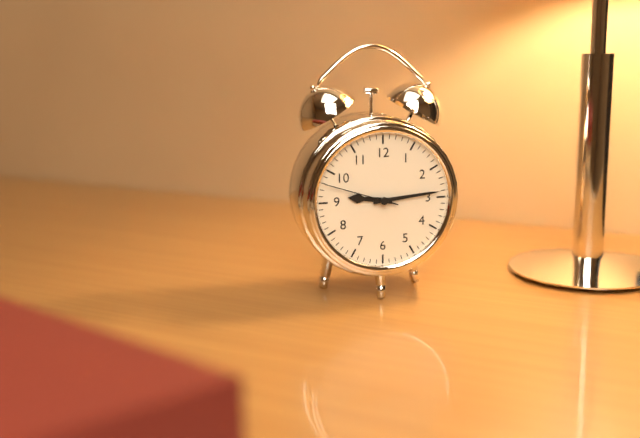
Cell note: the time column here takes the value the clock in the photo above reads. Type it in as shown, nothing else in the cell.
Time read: 9:14:48
